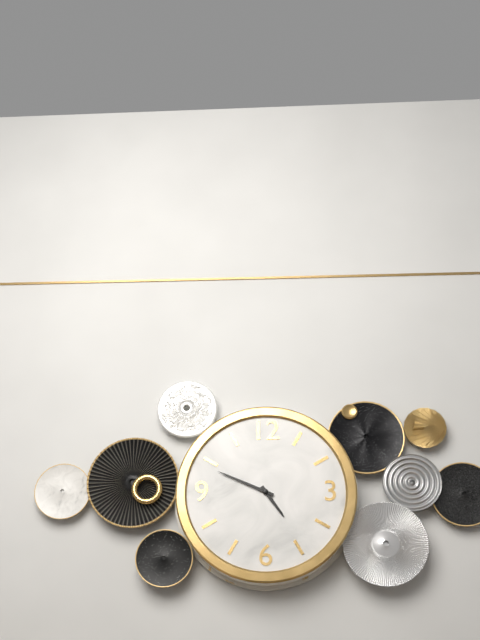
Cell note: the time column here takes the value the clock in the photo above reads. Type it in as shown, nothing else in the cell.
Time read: 4:49
